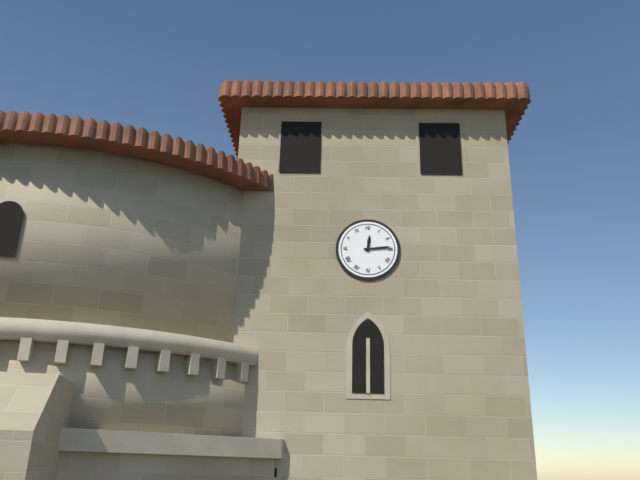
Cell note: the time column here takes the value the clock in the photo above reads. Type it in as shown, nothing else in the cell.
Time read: 12:14
